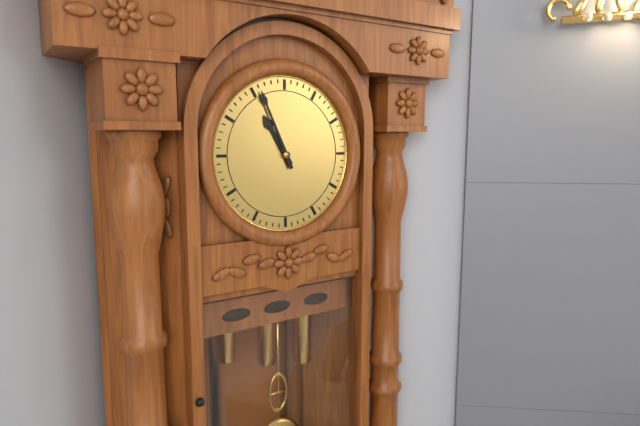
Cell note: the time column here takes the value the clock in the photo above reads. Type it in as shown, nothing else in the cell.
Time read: 10:56
